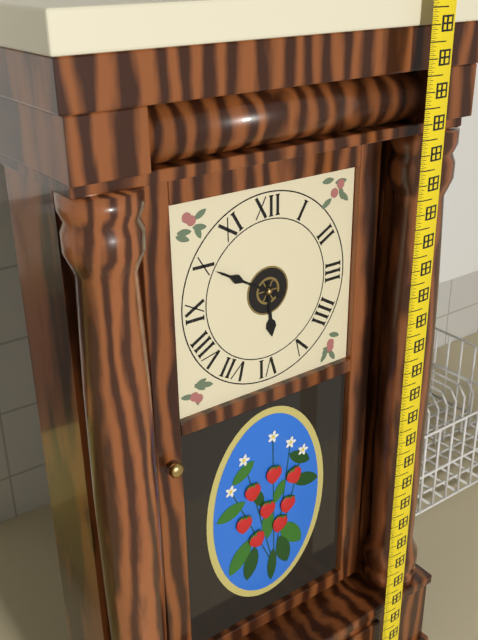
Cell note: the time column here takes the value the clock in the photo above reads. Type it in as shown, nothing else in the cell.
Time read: 5:50
